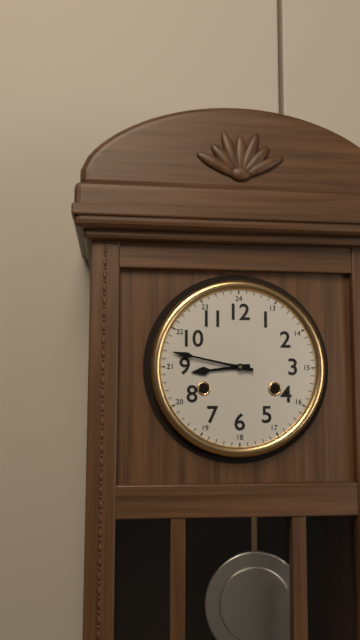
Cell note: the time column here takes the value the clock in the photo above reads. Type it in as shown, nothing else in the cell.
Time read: 8:47
